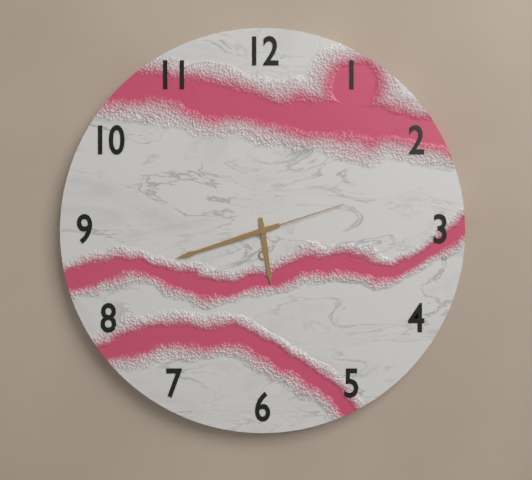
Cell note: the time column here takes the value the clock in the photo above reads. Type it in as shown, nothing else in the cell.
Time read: 5:42:12
